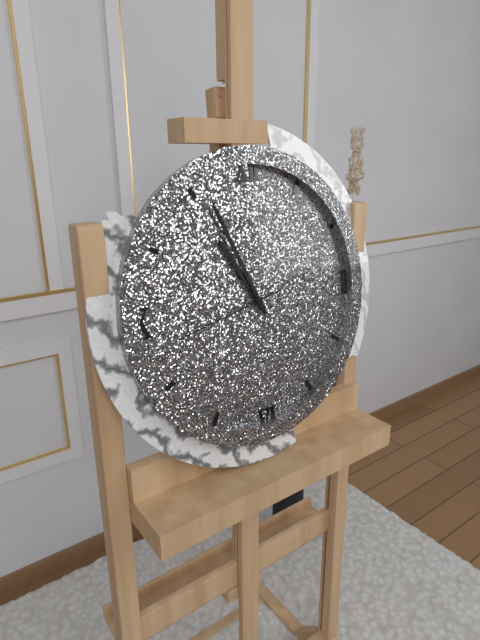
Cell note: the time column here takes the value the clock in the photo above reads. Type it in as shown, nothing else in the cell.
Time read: 10:56:43
